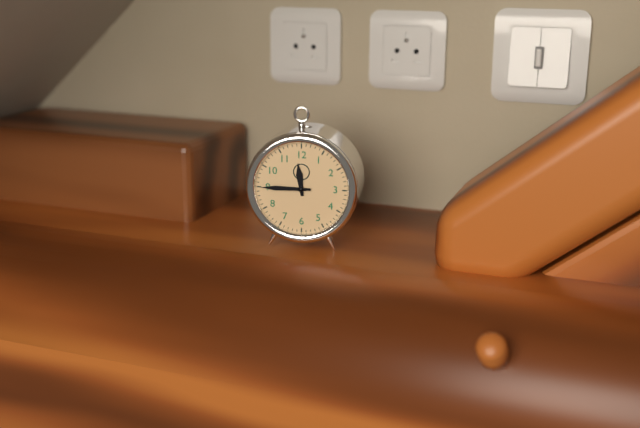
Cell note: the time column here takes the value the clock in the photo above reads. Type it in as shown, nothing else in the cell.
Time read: 11:45
